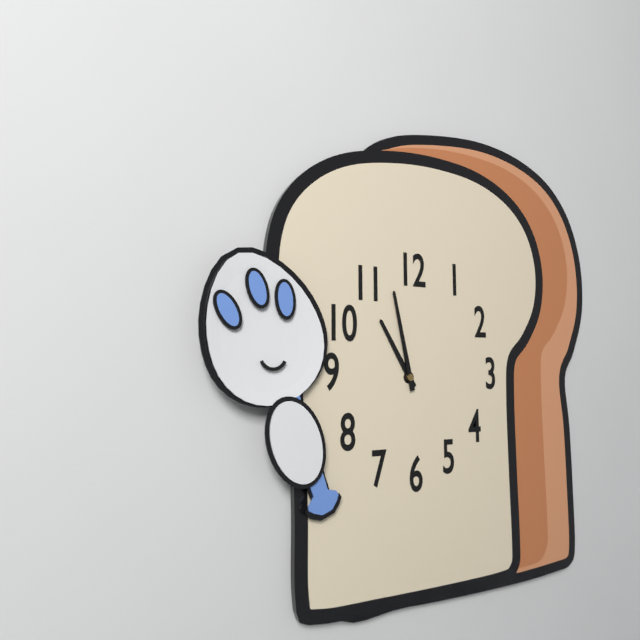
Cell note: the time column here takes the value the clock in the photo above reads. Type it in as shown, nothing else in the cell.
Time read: 10:58
